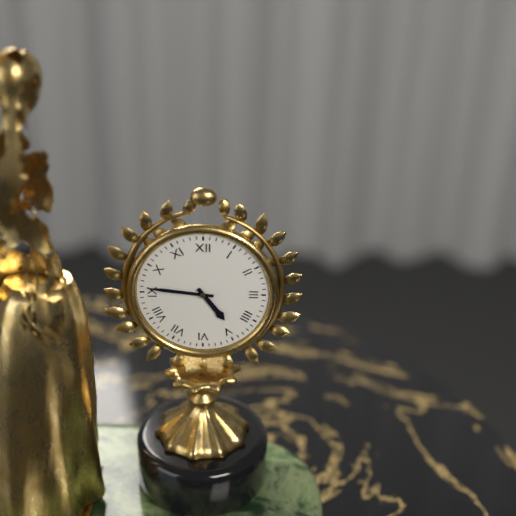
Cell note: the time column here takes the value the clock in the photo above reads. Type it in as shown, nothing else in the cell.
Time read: 4:46
